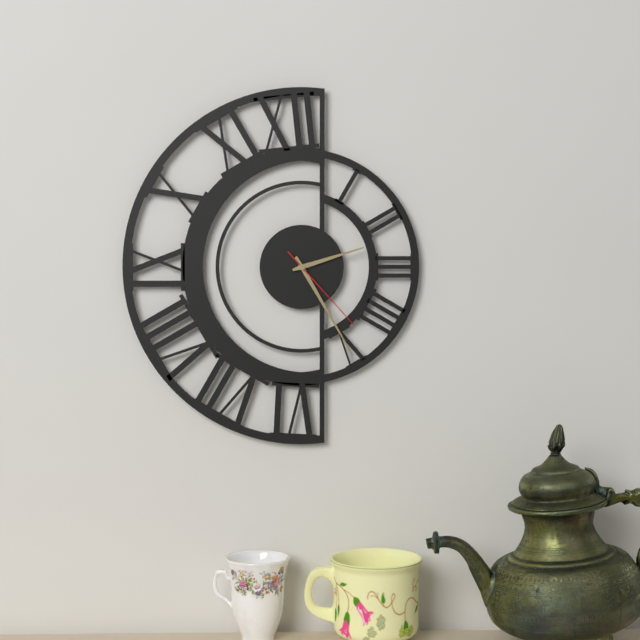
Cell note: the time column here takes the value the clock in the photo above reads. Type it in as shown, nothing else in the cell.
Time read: 2:25:23
